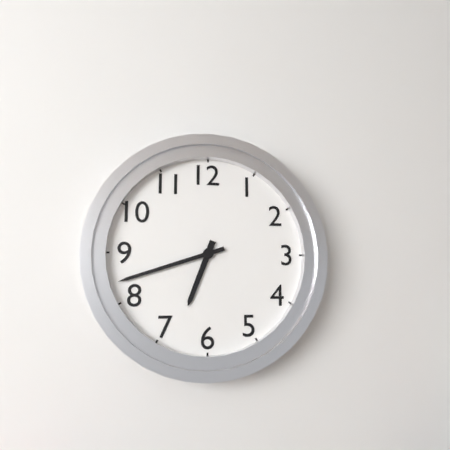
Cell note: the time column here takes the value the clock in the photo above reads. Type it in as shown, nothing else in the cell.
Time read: 6:42
